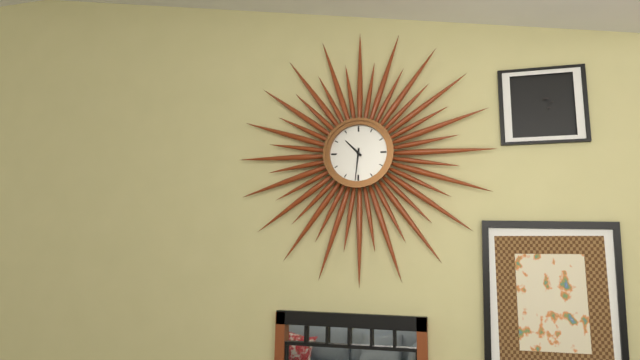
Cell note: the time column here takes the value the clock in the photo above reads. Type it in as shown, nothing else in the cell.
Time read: 10:31
